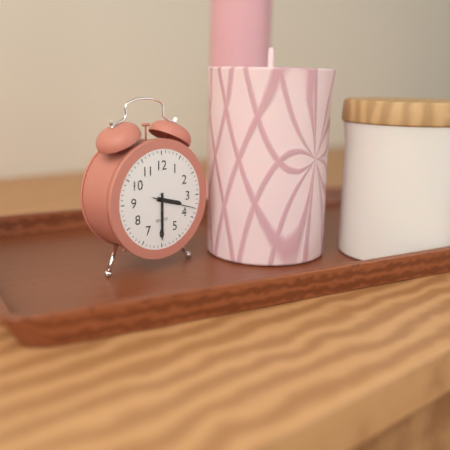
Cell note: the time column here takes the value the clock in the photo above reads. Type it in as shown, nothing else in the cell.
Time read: 3:30
